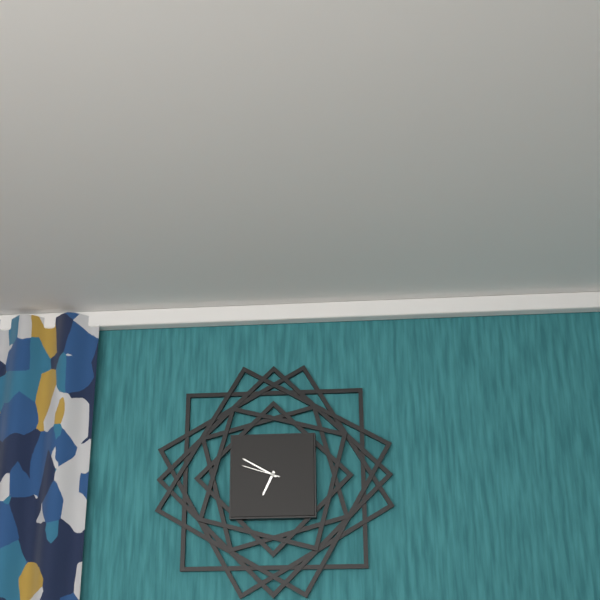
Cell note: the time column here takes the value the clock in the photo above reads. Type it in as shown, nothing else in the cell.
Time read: 6:50
